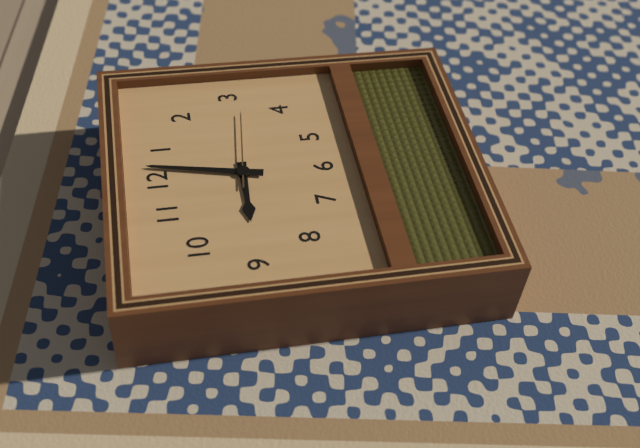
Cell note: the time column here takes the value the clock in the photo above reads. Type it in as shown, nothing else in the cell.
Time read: 9:02:16
